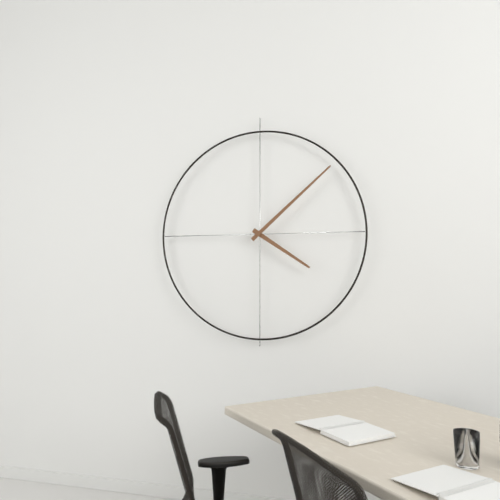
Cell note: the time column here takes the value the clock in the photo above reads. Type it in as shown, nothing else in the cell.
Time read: 4:08
